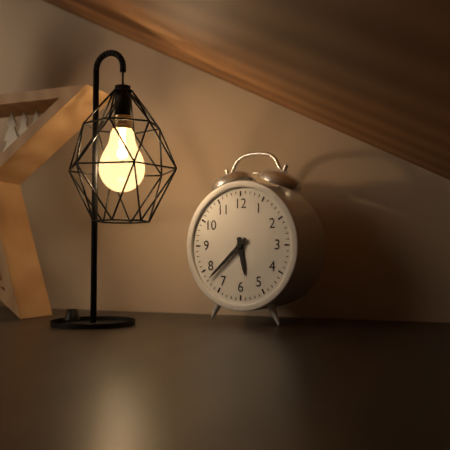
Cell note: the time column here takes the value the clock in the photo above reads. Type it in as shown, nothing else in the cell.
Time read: 5:38
